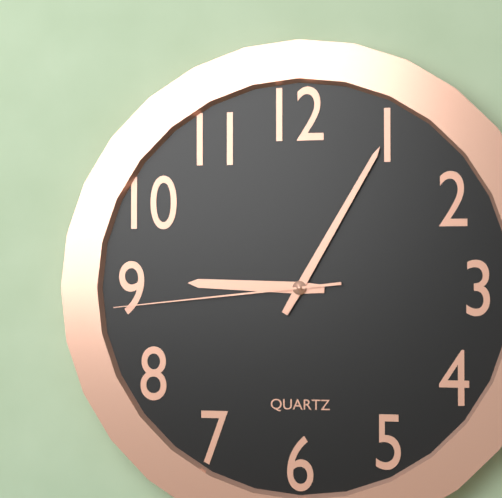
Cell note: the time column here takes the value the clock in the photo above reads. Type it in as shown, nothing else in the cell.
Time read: 9:05:44
